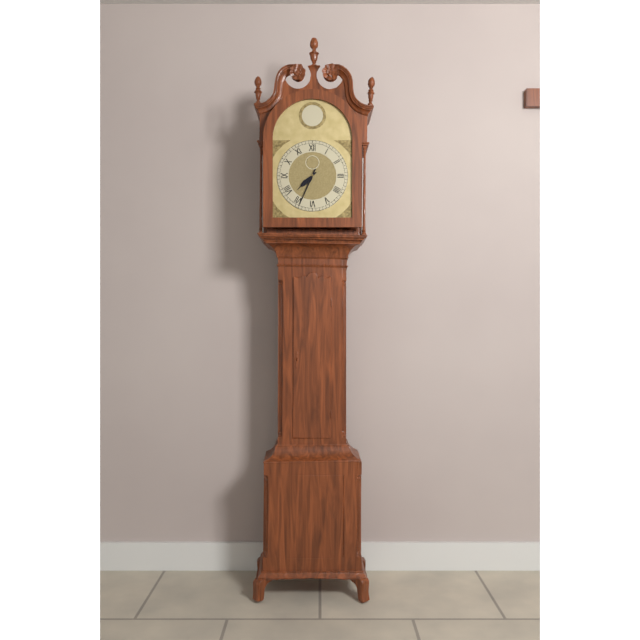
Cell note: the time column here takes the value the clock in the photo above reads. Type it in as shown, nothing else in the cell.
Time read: 7:34
